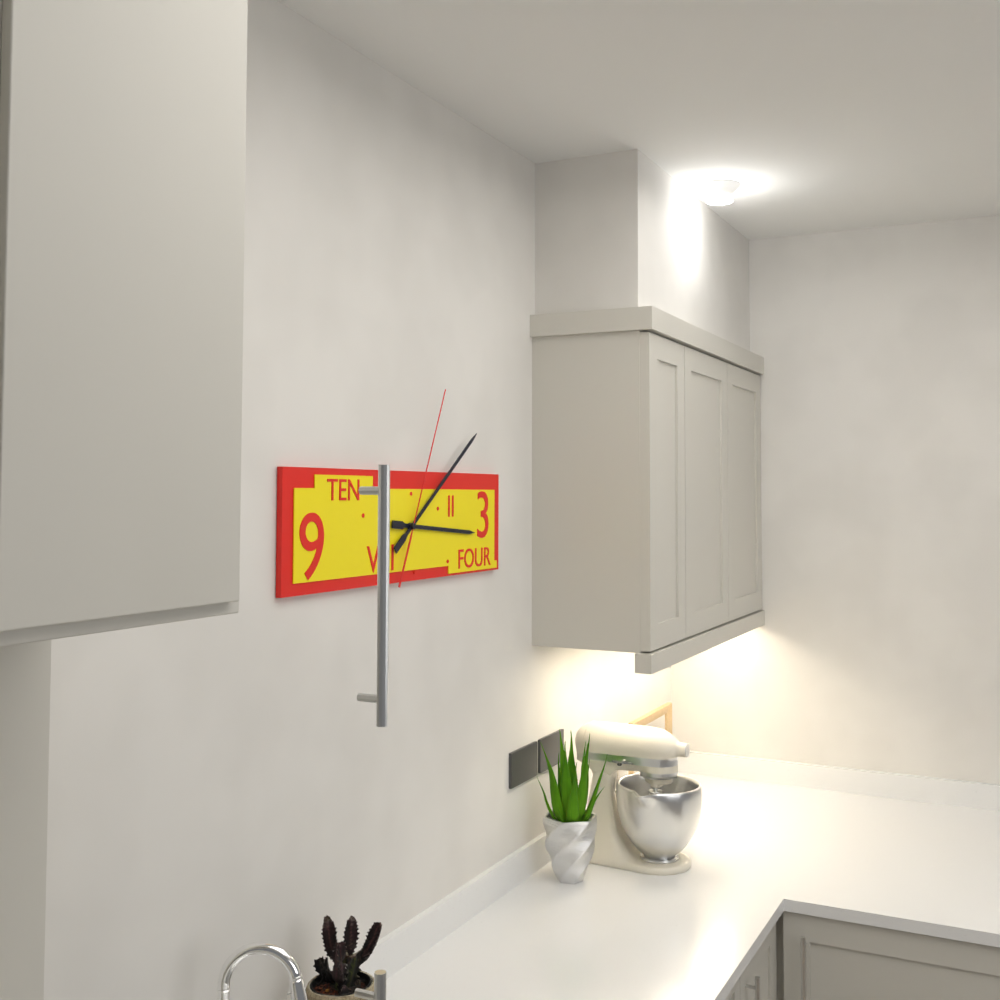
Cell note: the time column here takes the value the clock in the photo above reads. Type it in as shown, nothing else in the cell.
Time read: 3:09:04
